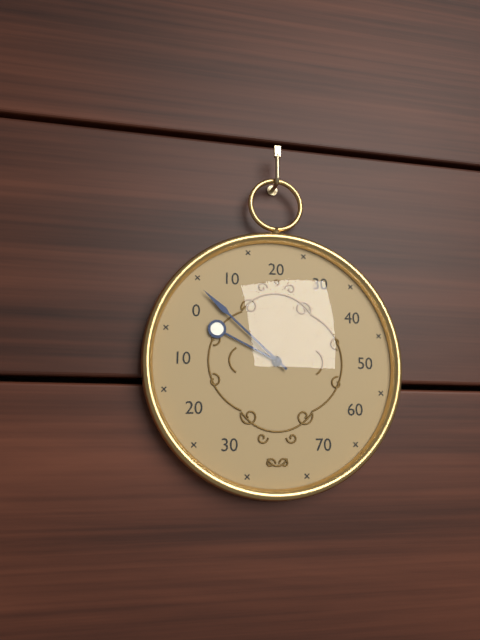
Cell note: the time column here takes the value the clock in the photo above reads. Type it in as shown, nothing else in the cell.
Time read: 9:52
